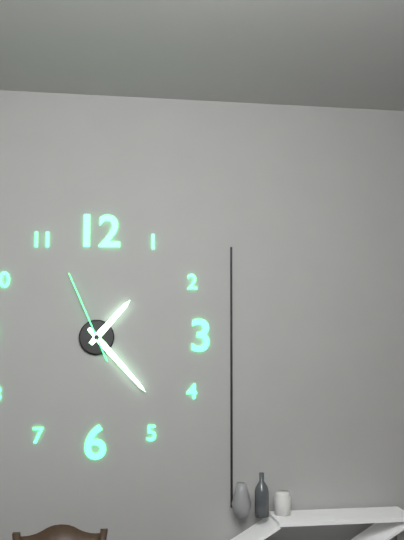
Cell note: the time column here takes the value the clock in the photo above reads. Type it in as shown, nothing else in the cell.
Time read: 1:23:56
